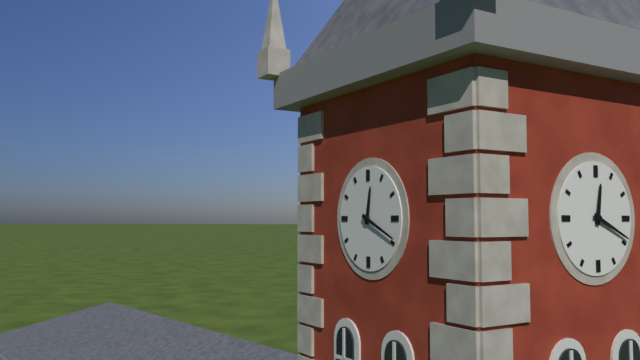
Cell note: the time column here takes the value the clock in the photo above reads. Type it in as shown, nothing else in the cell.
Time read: 12:19
